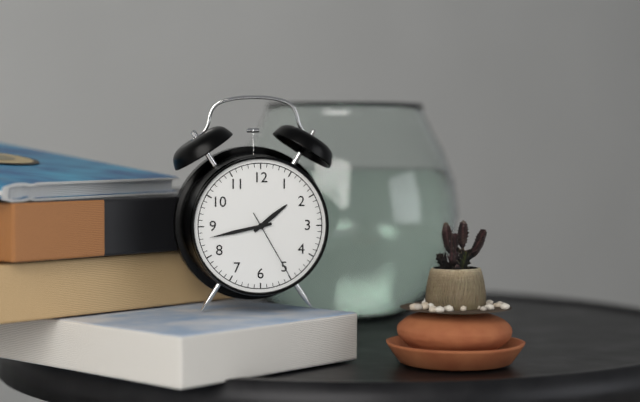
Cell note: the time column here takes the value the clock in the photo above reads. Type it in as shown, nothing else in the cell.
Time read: 1:43:25
